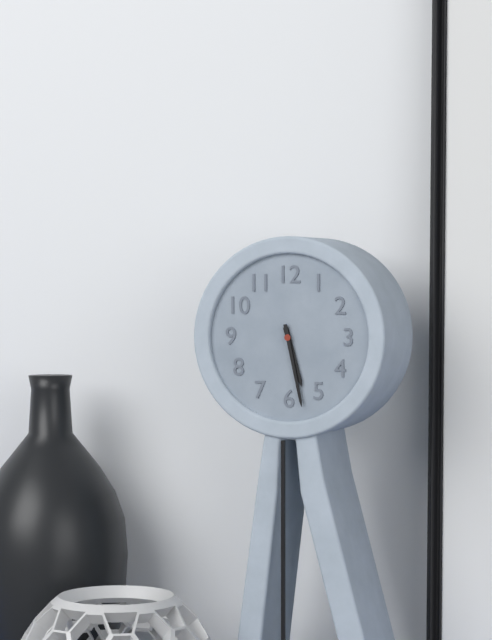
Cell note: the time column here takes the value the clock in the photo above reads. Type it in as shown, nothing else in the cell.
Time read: 5:28
